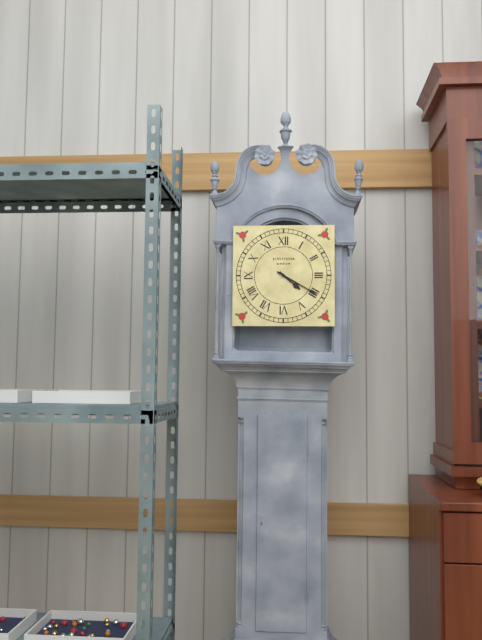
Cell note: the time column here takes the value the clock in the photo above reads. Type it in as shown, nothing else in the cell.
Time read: 4:20
